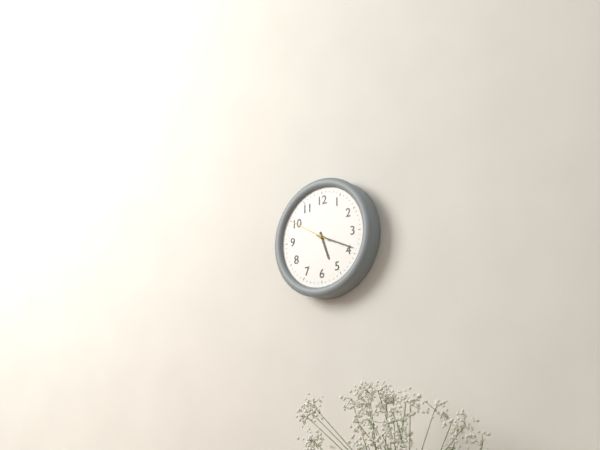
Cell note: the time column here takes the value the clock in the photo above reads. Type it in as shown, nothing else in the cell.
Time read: 5:19
